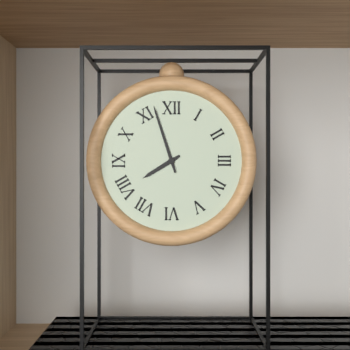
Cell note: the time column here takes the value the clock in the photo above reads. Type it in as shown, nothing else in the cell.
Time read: 7:57
